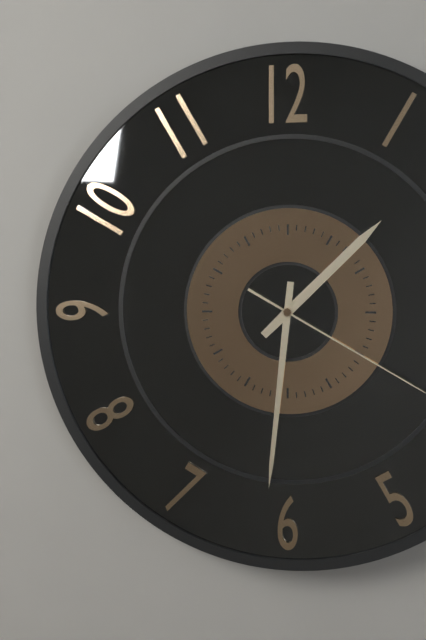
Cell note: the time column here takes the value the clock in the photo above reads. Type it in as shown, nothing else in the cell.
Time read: 1:31
